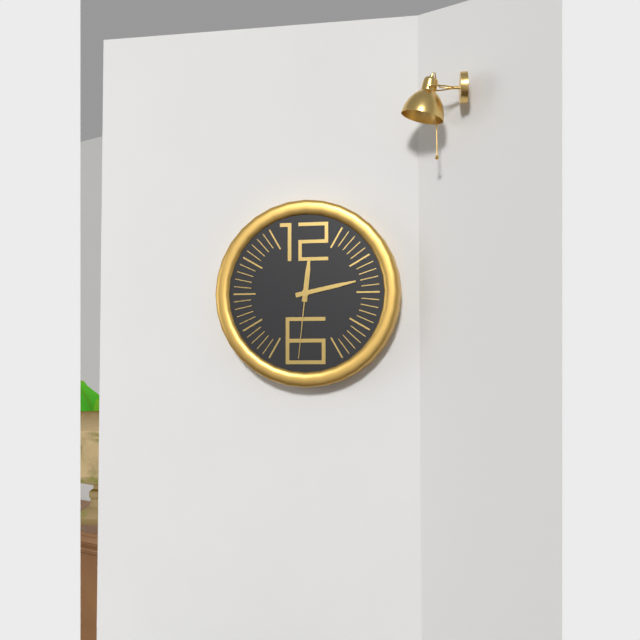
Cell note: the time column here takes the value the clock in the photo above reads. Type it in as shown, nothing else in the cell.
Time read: 12:13:31
